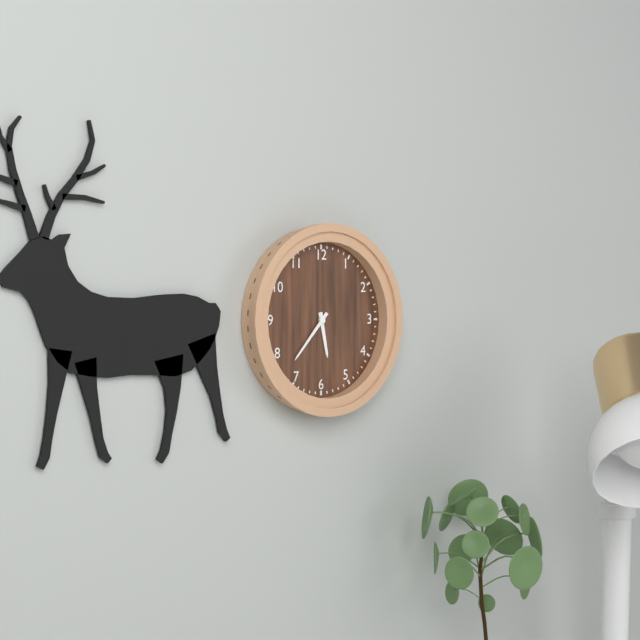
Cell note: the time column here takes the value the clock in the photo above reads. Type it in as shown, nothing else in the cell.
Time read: 5:37
